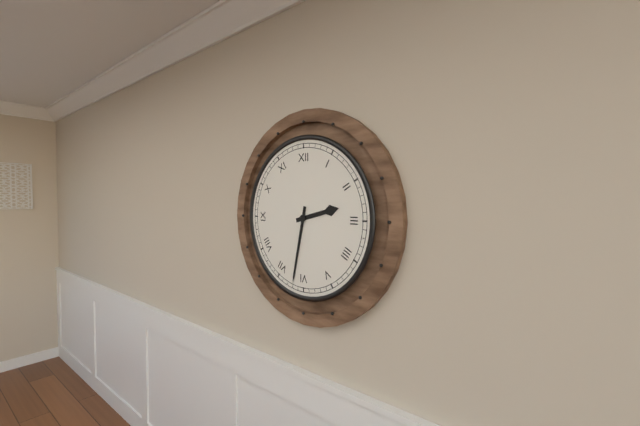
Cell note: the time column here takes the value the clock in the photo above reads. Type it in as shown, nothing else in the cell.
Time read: 2:32
